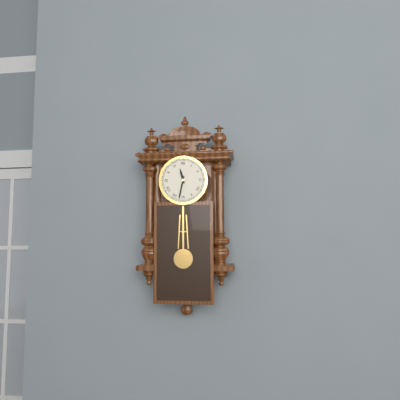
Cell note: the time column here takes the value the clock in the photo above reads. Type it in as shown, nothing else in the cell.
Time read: 11:32
